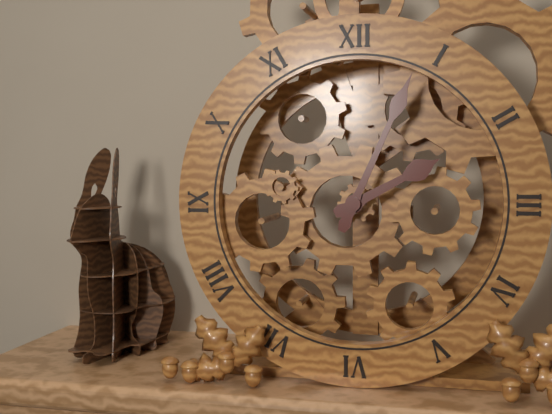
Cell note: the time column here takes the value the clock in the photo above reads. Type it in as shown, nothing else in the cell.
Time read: 2:04
